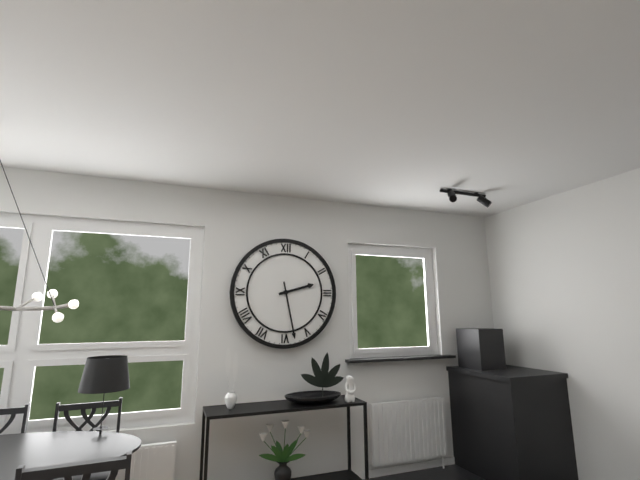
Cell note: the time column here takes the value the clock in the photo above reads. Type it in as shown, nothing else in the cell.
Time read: 2:28
